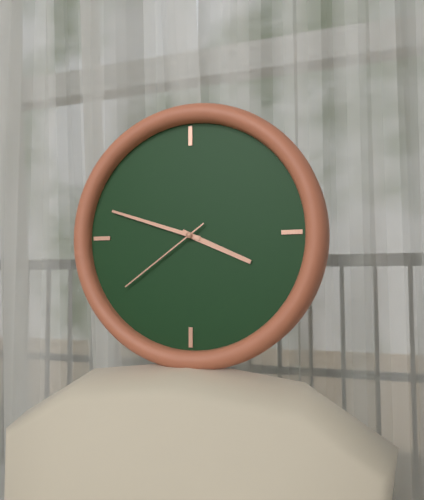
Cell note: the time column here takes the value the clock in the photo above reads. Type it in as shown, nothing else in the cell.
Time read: 3:48:39
